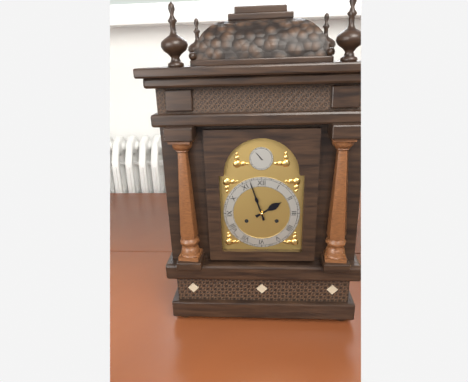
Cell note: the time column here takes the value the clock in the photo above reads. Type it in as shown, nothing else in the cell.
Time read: 1:57
